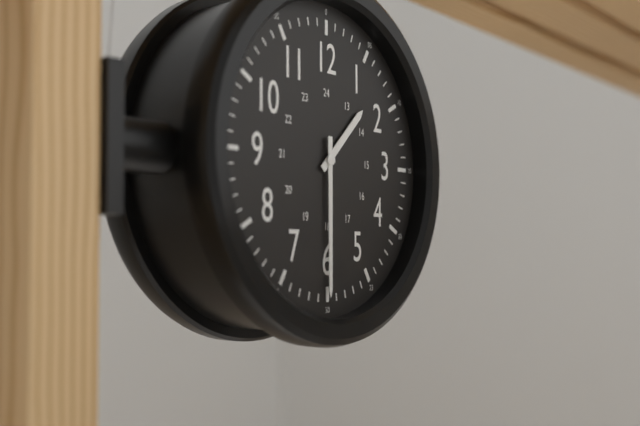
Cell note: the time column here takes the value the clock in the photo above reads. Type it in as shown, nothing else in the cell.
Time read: 1:30
